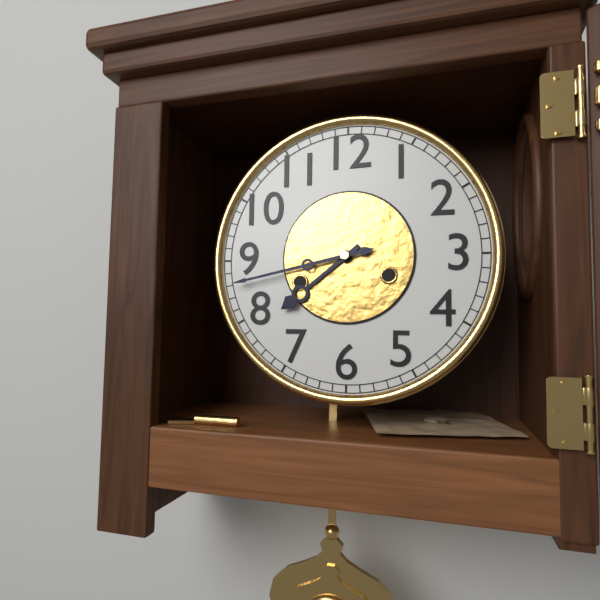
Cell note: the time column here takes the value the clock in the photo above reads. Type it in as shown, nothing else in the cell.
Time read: 7:43
